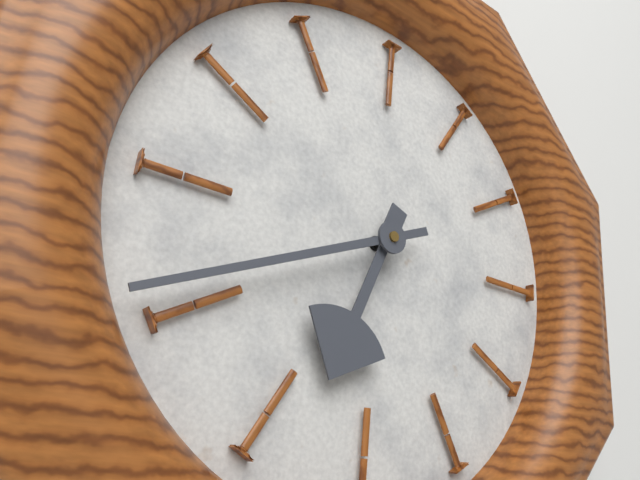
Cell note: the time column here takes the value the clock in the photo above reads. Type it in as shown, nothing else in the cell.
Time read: 6:41
